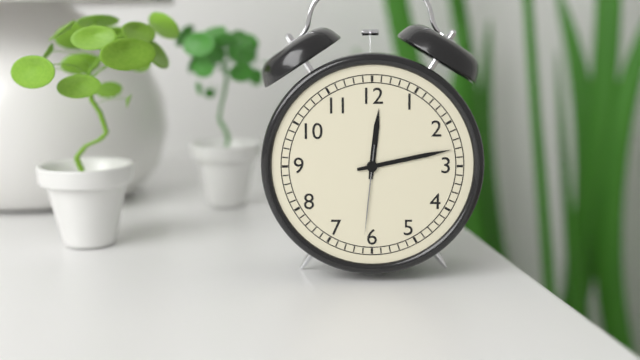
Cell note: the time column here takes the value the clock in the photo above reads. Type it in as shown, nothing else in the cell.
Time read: 12:13:31
